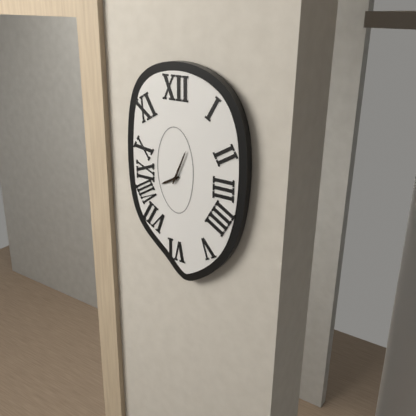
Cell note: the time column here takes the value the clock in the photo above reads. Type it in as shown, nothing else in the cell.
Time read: 8:04
